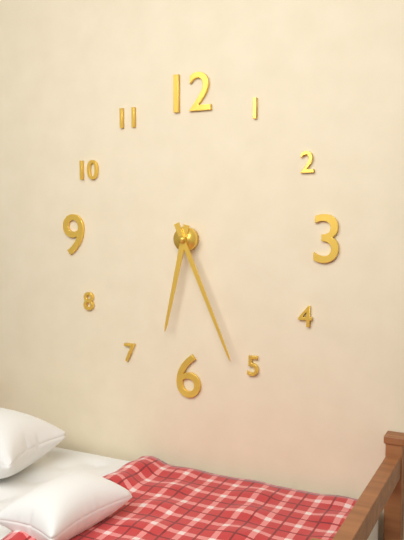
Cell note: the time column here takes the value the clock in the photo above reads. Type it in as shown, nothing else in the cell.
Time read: 6:26
